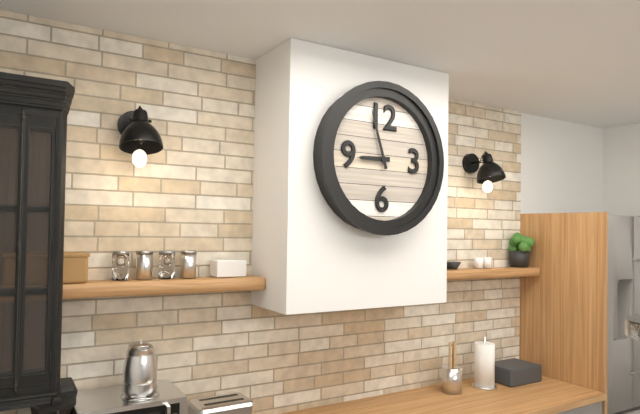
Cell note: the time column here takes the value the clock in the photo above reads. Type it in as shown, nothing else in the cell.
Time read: 8:57
